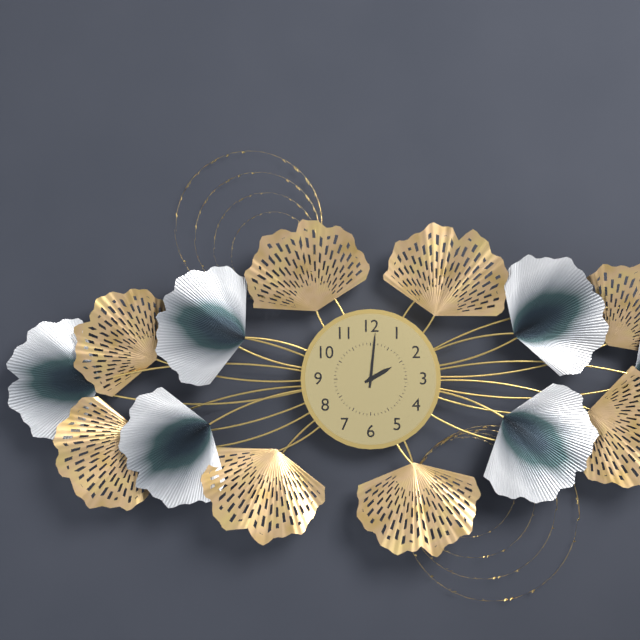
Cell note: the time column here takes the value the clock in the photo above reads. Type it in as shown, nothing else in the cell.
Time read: 2:01
